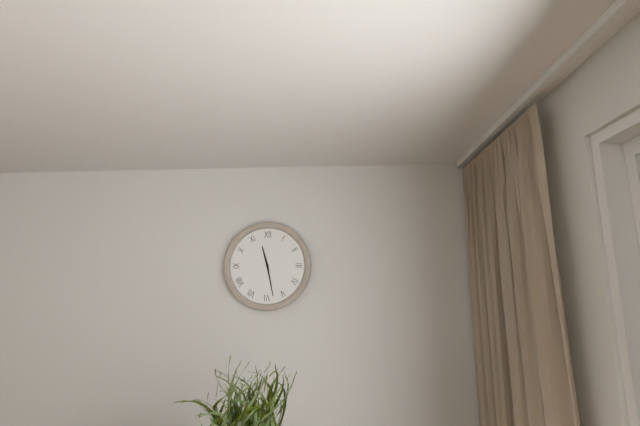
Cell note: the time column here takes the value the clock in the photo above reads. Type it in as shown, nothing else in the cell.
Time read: 11:28
